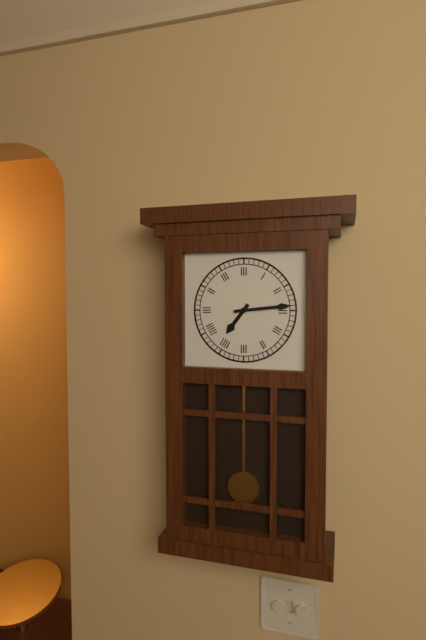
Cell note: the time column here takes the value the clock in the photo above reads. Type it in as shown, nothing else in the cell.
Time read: 7:14
